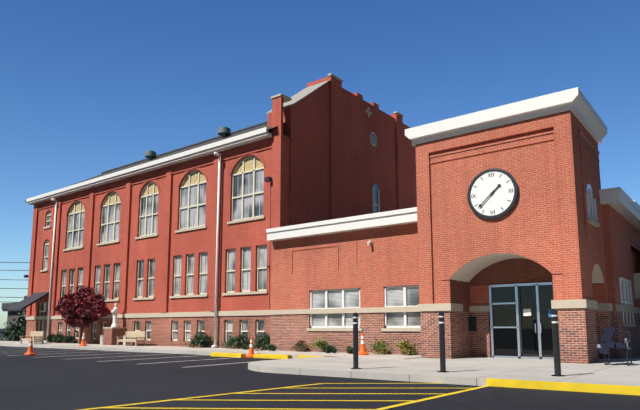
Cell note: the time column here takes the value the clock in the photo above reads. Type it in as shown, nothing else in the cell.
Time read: 1:38
